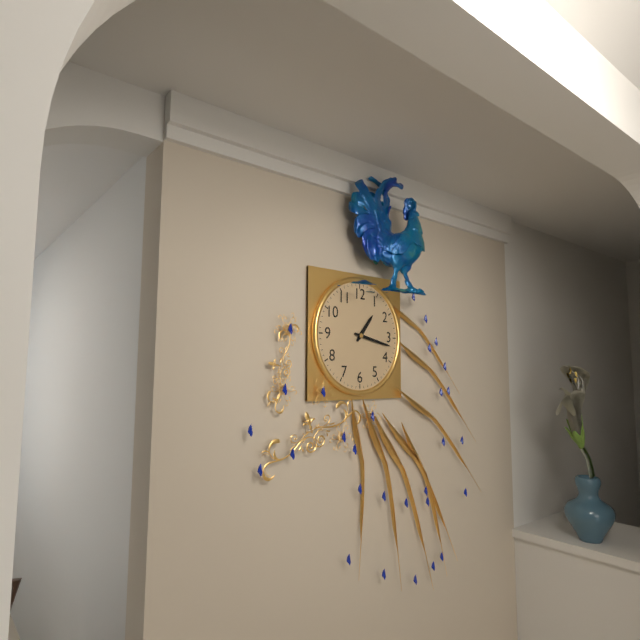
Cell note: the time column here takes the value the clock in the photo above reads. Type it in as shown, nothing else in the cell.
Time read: 1:17
